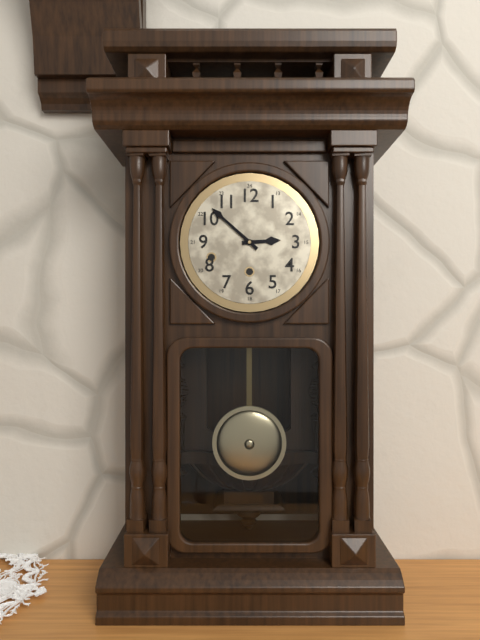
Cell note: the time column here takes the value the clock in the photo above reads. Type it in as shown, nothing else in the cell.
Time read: 2:52
